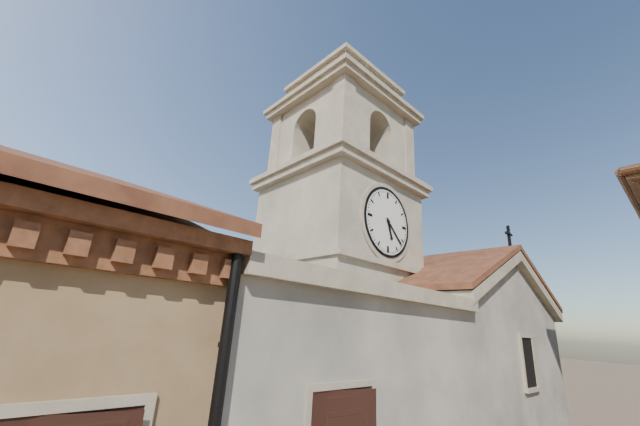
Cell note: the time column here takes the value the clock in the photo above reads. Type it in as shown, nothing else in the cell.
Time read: 5:22
